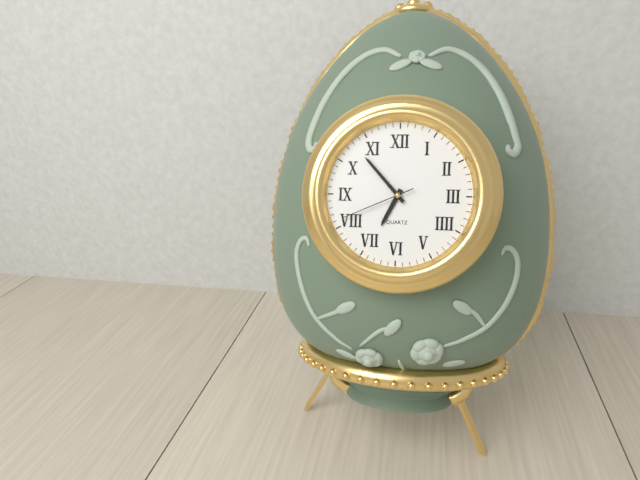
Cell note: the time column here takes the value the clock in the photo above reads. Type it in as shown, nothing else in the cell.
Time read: 6:53:41
